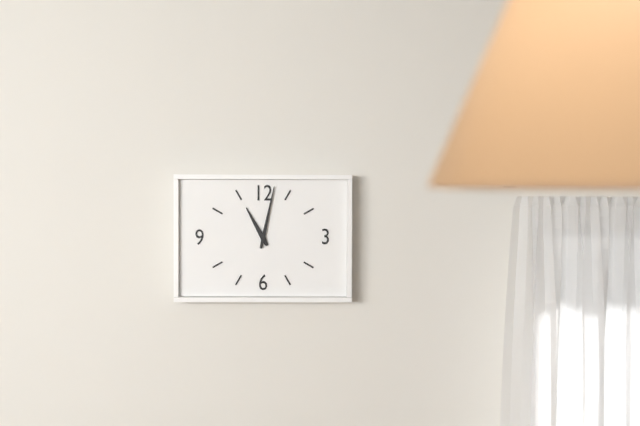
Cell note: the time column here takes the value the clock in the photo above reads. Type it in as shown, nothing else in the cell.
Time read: 11:02
